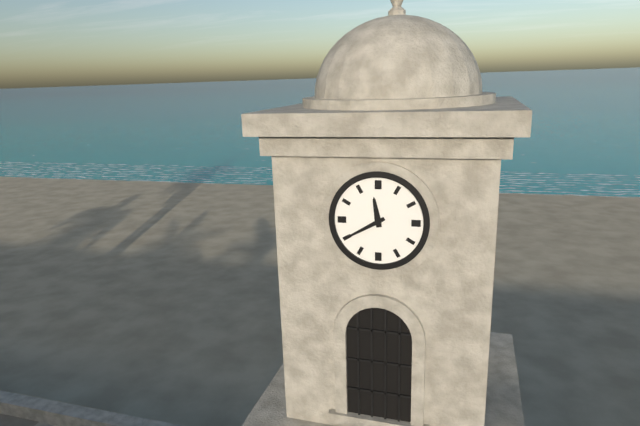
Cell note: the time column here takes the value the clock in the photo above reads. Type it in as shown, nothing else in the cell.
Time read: 11:40
